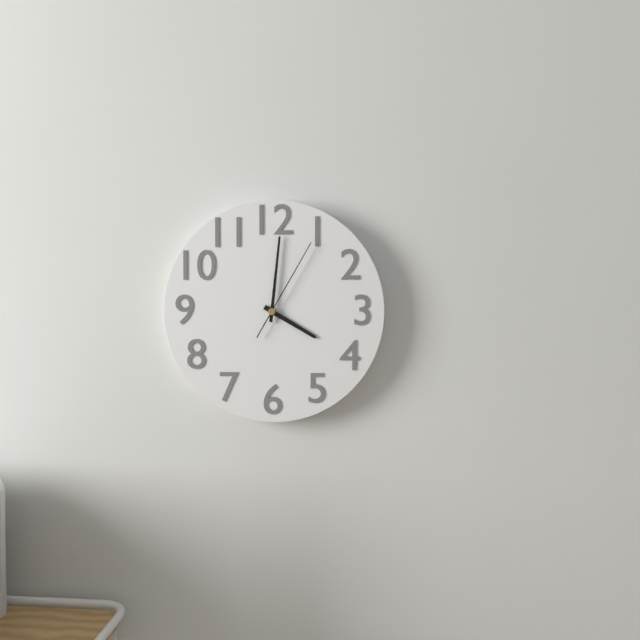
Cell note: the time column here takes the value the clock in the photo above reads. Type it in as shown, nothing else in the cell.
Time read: 4:01:05
